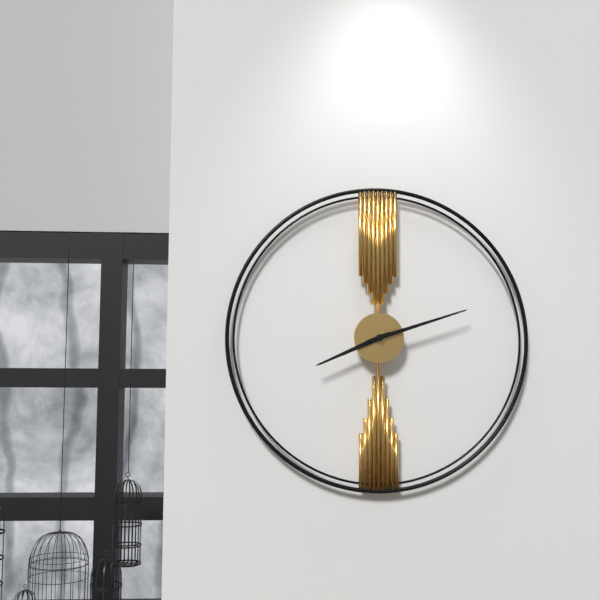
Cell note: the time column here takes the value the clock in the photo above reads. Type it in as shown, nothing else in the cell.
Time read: 8:12
